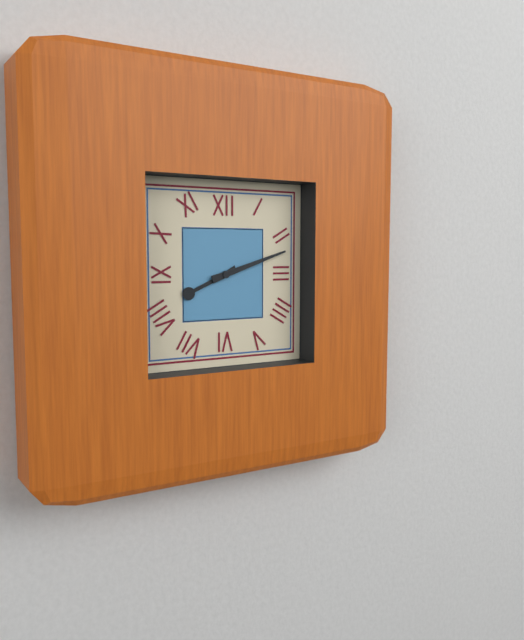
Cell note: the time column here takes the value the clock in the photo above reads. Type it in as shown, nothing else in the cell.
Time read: 8:12
